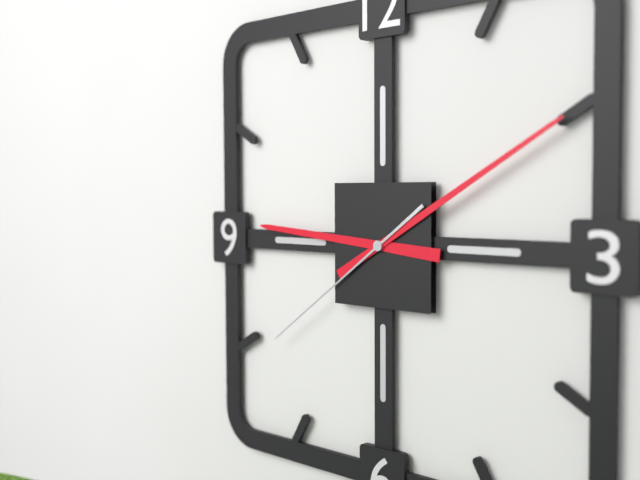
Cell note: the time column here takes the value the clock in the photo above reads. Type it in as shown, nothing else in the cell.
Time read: 9:10:39
